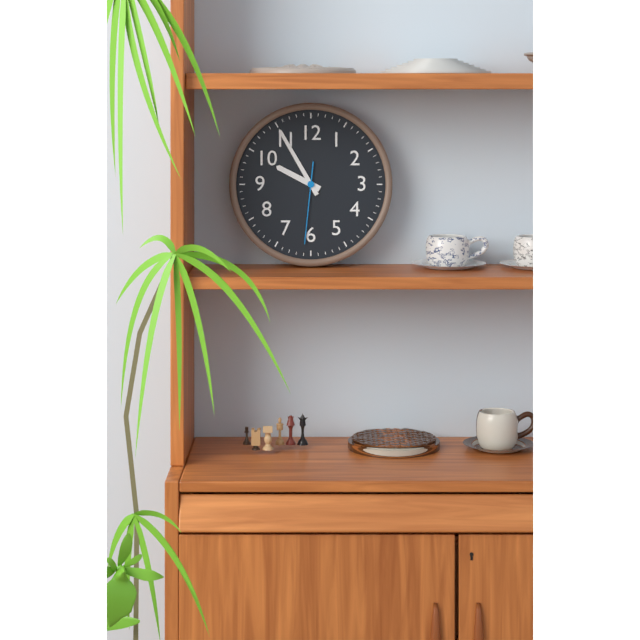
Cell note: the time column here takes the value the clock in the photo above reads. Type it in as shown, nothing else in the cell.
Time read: 9:55:31
